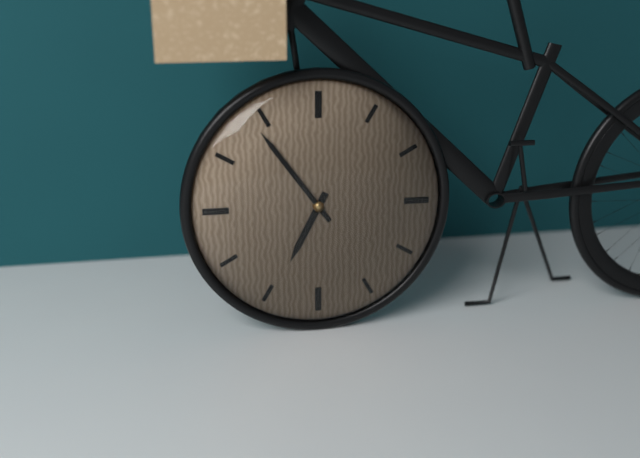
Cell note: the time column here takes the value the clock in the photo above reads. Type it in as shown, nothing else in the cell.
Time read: 6:54
